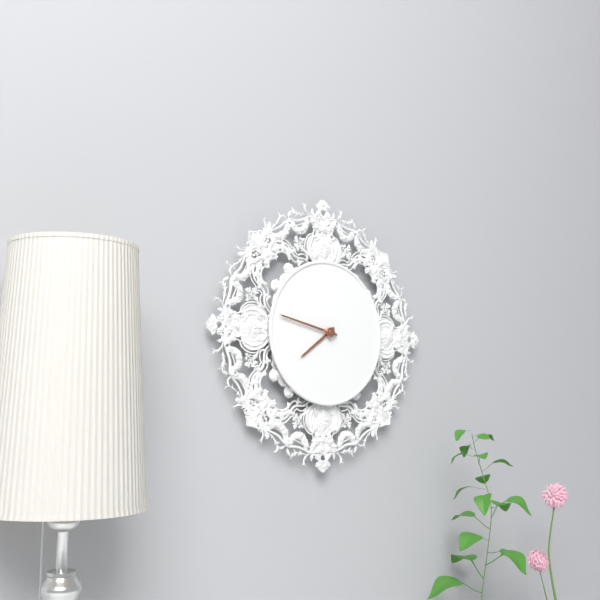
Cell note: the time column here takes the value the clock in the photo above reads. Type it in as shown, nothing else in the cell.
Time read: 7:47
